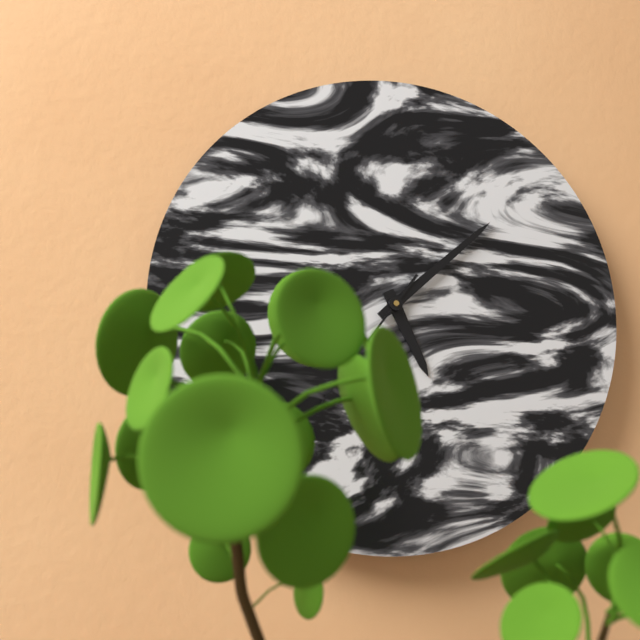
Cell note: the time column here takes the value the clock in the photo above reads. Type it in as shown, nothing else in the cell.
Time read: 5:08
